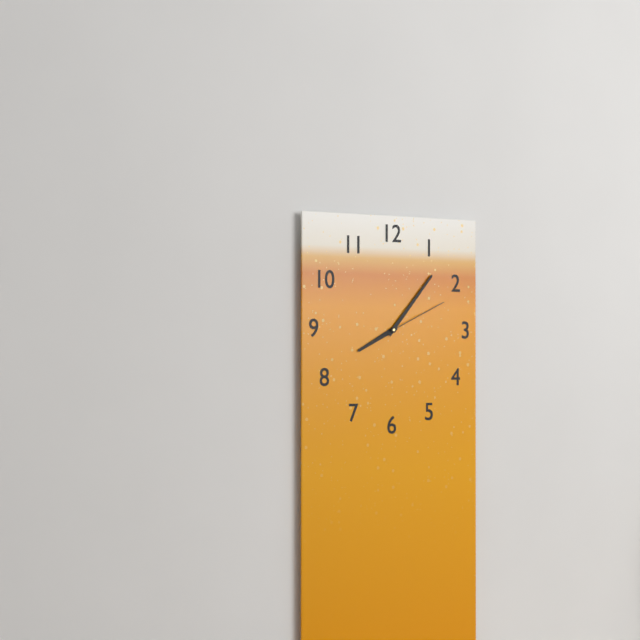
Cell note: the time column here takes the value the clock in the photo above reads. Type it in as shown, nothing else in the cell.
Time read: 8:07:11
